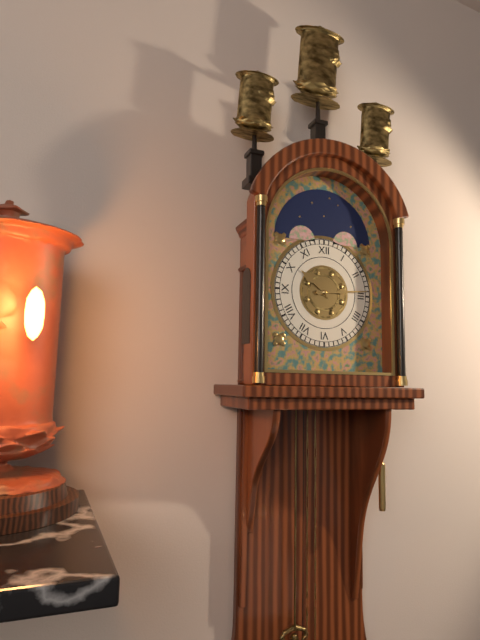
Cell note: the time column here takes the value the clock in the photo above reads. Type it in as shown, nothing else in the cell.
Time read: 10:14
